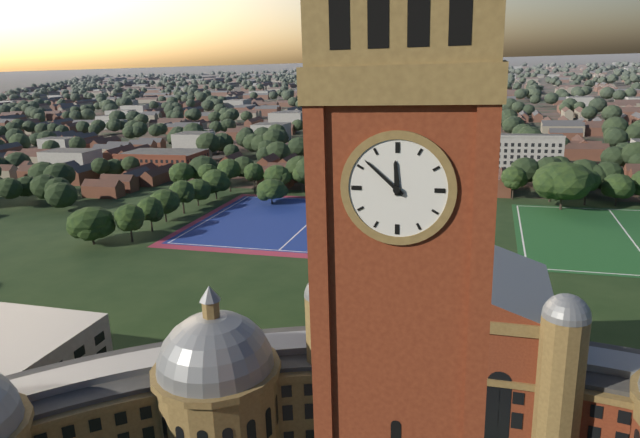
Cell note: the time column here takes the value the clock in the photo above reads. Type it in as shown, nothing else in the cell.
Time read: 11:52
